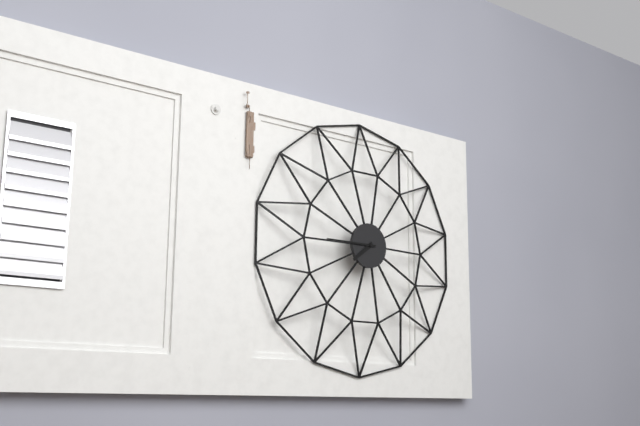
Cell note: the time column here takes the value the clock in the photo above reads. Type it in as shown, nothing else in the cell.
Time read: 7:45
